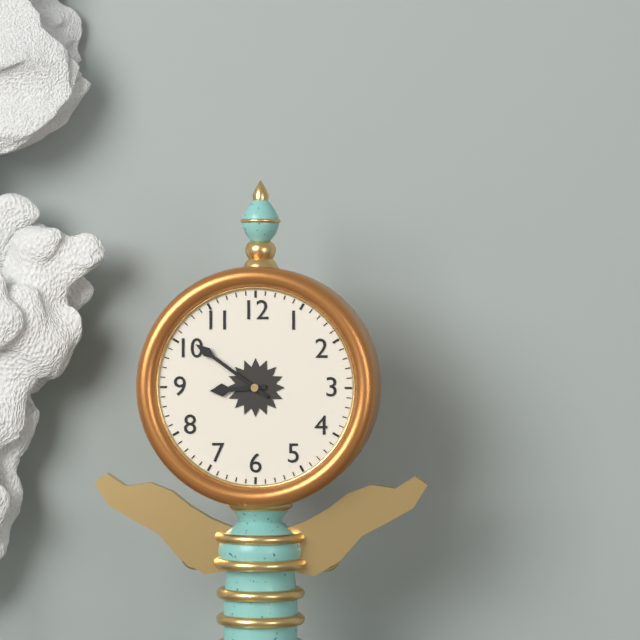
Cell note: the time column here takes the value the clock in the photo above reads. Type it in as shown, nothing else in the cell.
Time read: 8:51
